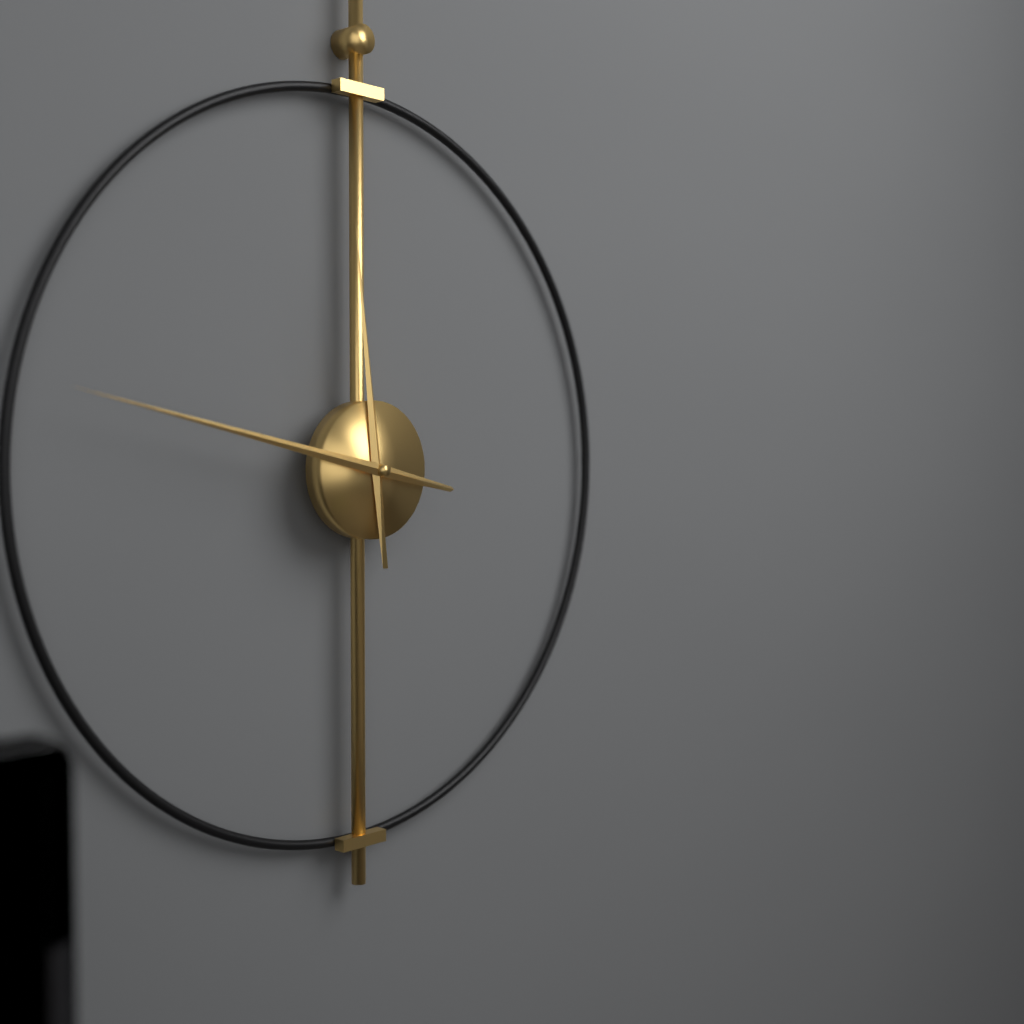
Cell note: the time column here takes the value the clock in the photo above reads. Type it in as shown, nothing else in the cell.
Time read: 11:47
